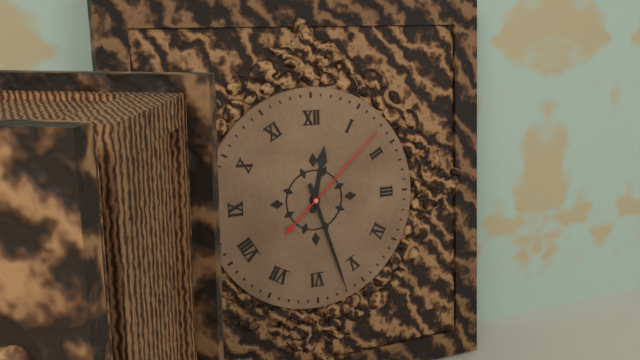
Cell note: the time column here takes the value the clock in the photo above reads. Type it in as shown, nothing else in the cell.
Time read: 12:27:08
